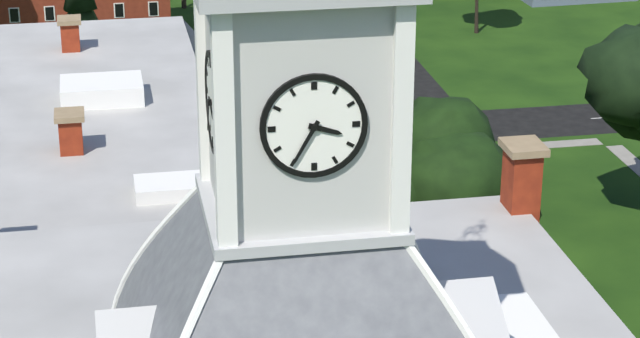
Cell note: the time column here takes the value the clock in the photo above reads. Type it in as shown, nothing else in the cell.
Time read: 3:35
